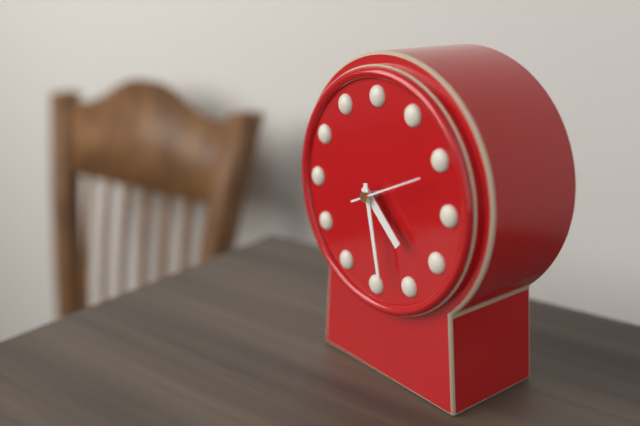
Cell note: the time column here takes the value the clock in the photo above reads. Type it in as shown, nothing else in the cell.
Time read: 4:28:11
